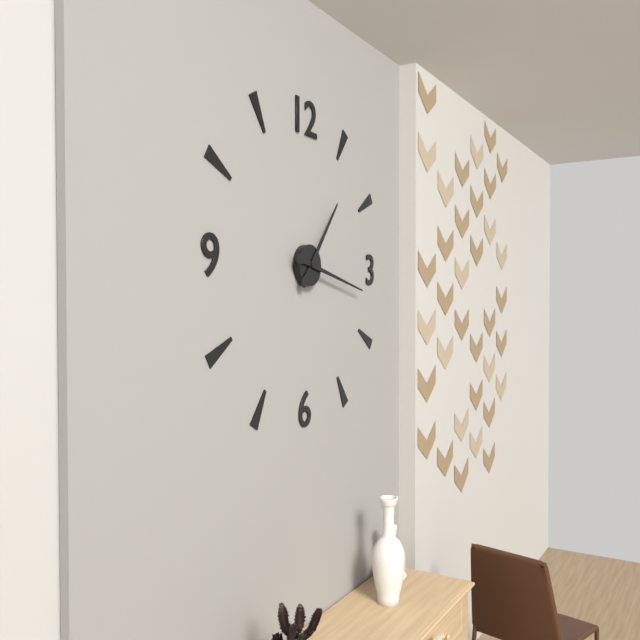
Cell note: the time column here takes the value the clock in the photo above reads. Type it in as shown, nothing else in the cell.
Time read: 1:17
